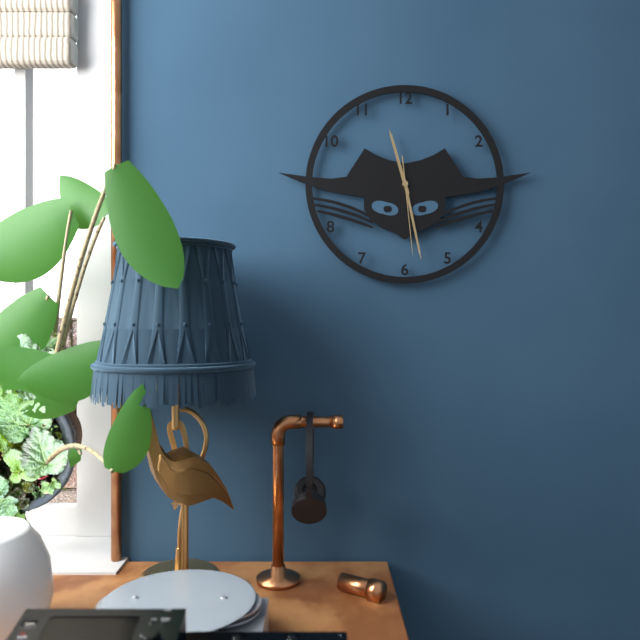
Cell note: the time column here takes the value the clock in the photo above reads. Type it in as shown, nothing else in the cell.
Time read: 11:28:29
